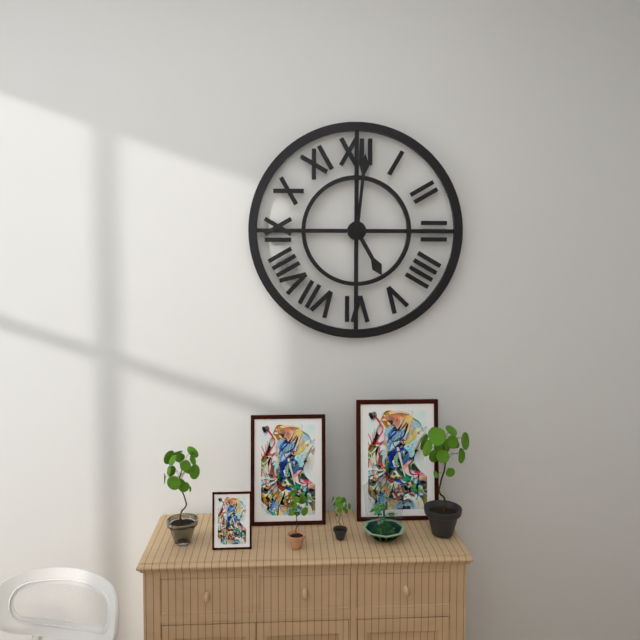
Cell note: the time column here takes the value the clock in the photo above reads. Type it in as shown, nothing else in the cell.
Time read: 5:01
